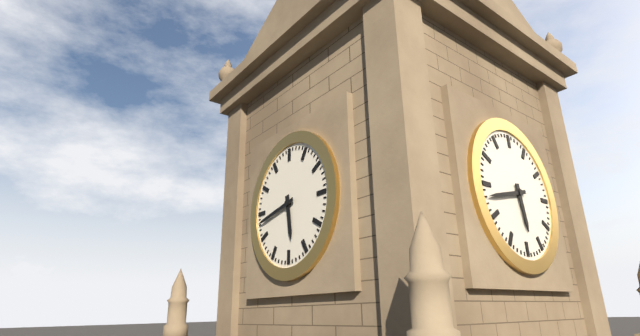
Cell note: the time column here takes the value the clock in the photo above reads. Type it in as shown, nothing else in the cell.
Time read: 5:43
